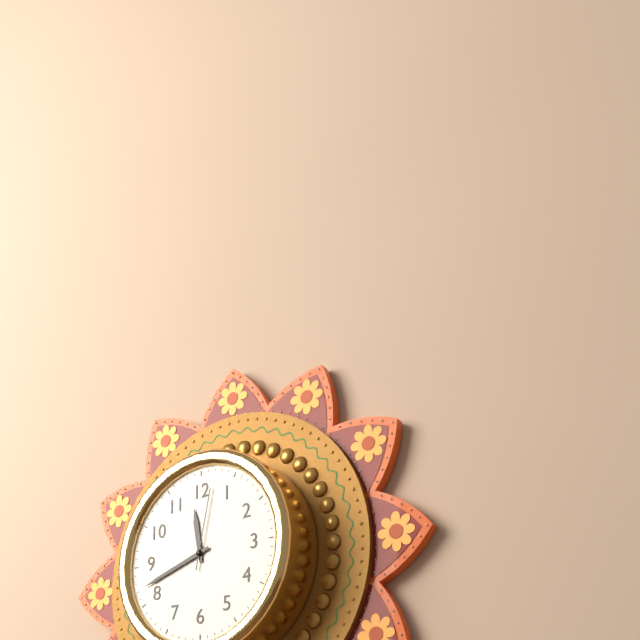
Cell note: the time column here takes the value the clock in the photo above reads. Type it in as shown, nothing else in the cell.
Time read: 11:42:02
